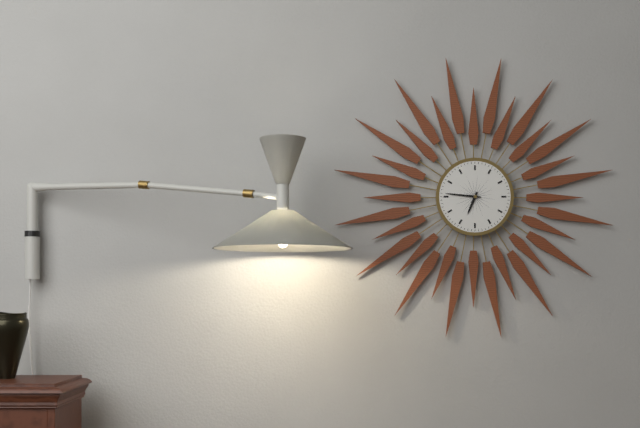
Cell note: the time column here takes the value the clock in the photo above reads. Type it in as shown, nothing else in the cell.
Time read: 6:46
